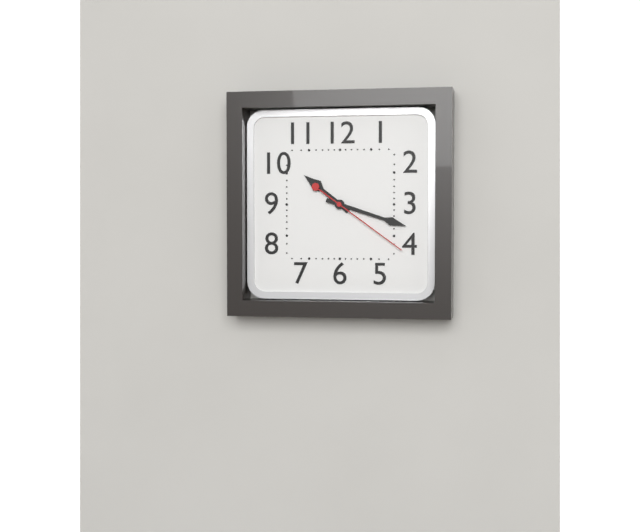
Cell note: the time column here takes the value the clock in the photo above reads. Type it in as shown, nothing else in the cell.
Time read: 10:18:21
